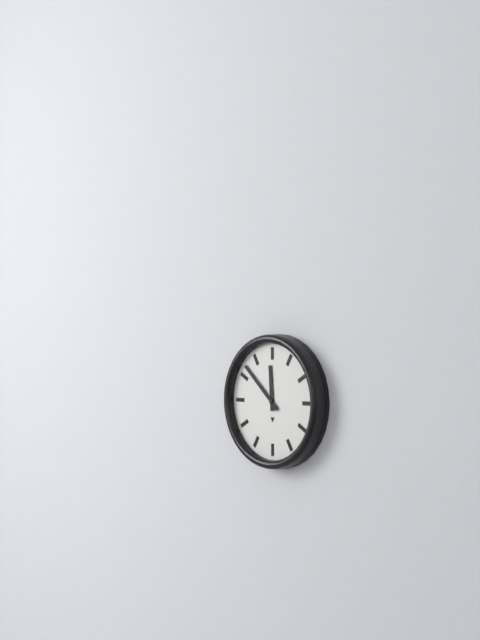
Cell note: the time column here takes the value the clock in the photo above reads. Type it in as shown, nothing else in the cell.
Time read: 11:52
